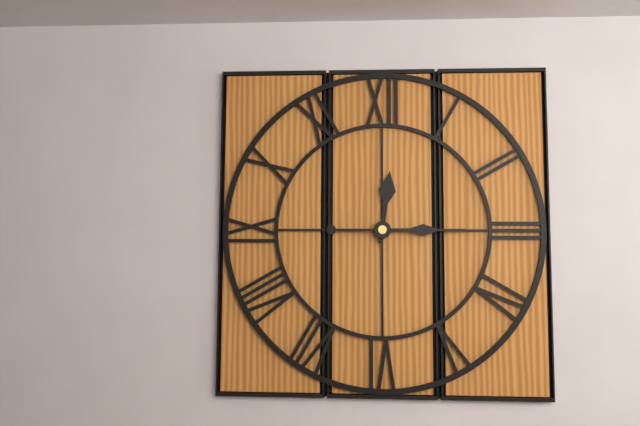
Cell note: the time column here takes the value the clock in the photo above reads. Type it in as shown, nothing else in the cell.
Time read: 12:15
